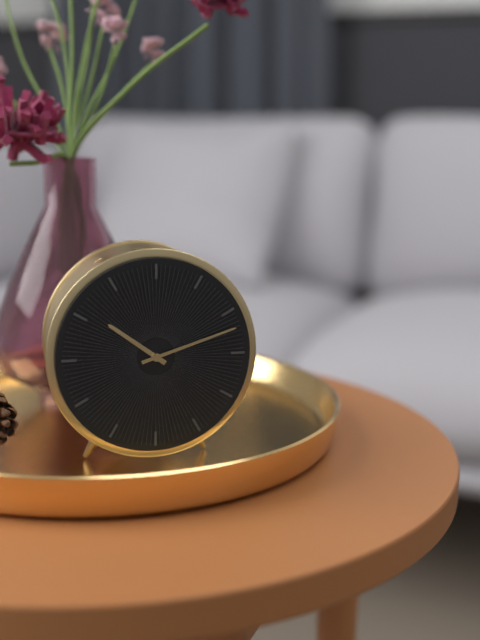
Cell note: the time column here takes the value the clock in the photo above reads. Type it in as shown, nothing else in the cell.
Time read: 10:12
